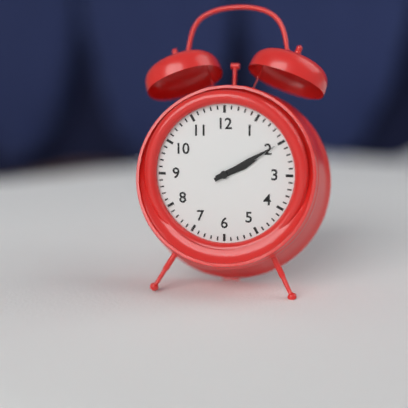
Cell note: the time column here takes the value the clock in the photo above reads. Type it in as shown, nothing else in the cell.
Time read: 2:10
